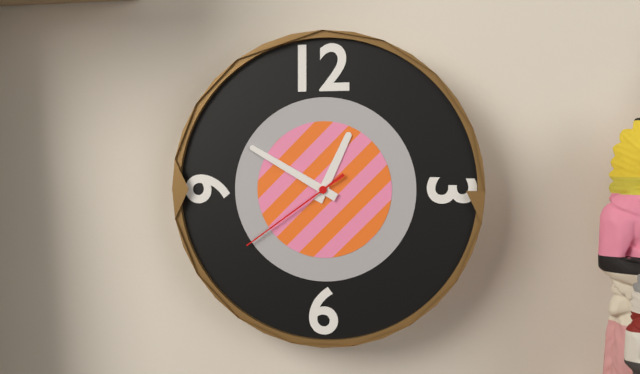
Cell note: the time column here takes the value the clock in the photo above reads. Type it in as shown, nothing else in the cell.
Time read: 12:50:39
